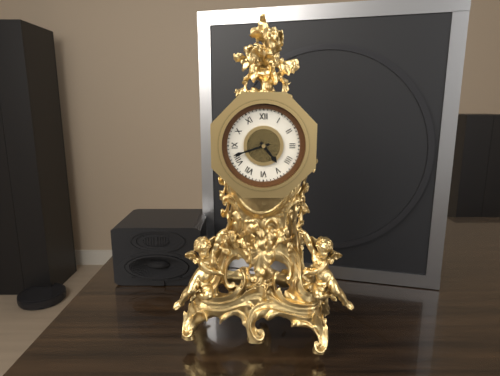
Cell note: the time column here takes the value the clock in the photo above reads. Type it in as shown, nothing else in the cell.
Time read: 4:42
